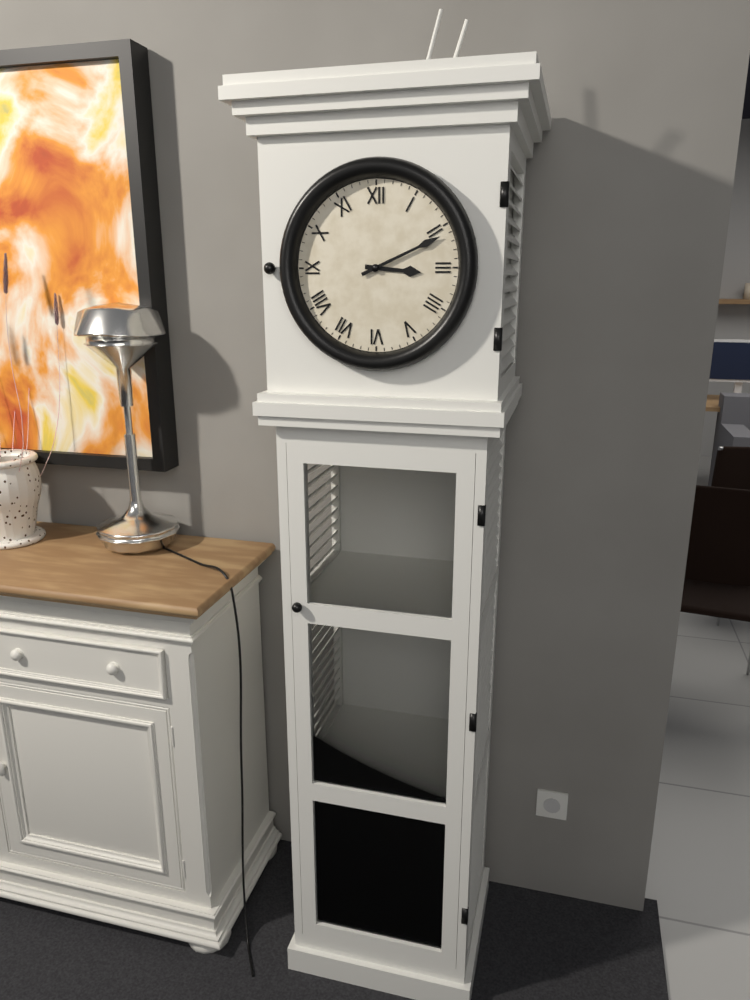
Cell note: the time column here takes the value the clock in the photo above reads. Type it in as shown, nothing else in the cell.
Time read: 3:11
